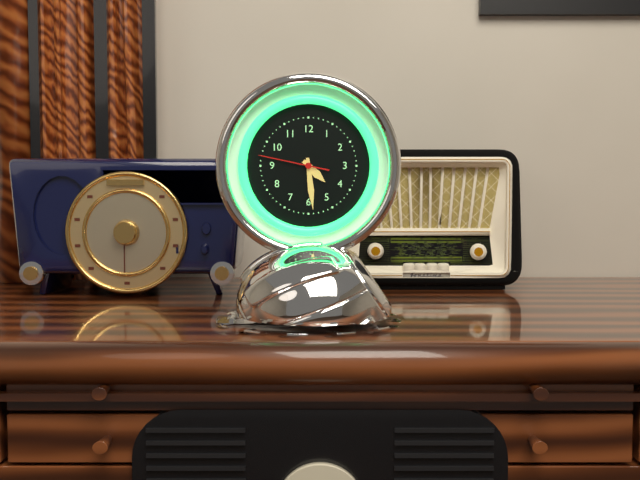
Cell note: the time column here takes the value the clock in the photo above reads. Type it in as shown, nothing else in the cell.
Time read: 4:29:47
